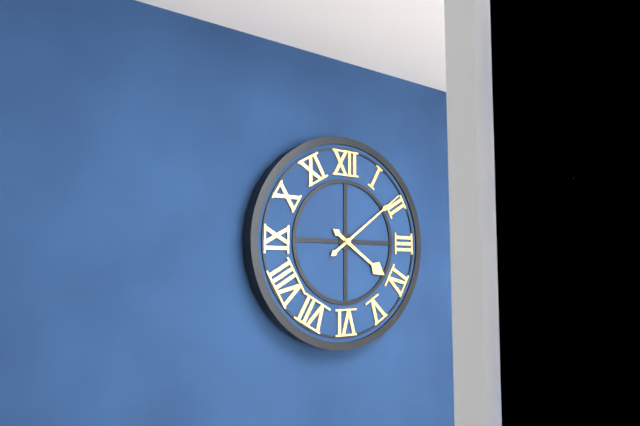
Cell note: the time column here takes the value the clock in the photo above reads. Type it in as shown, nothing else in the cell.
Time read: 4:09
